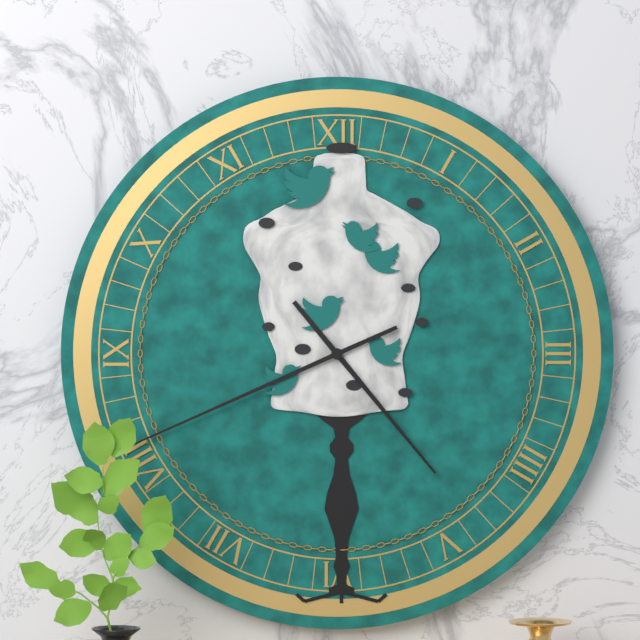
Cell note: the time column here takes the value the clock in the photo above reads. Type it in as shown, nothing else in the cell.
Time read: 4:41
